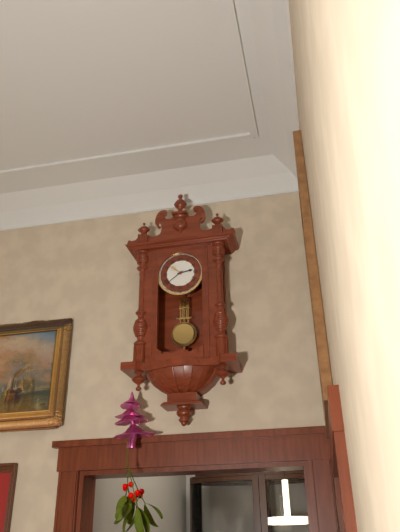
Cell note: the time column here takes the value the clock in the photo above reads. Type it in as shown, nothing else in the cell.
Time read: 2:39
